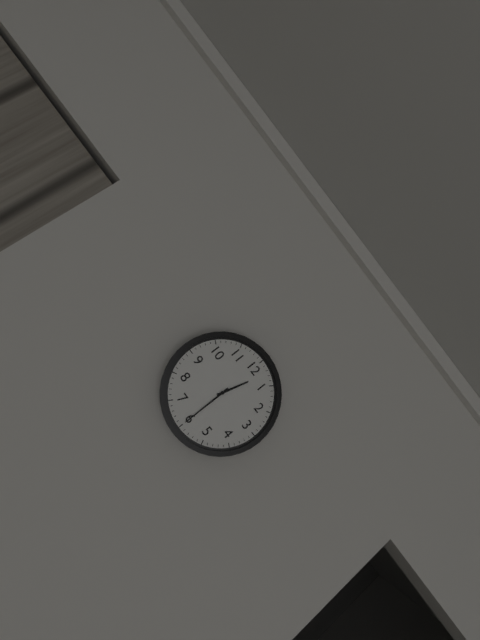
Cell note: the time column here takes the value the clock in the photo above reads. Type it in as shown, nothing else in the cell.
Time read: 12:30
